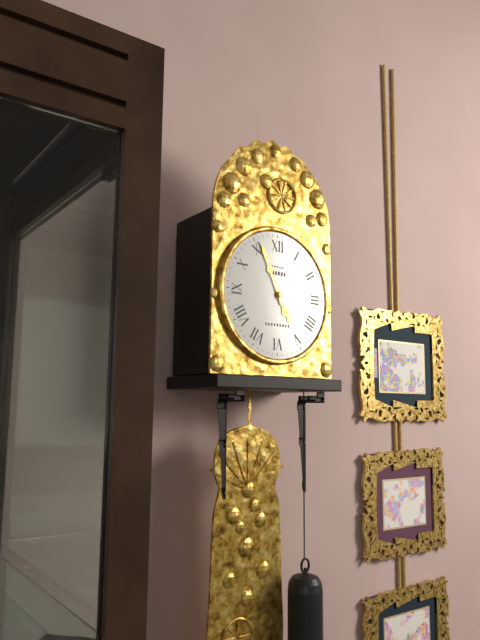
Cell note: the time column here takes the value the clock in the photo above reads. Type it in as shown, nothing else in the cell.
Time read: 4:56
